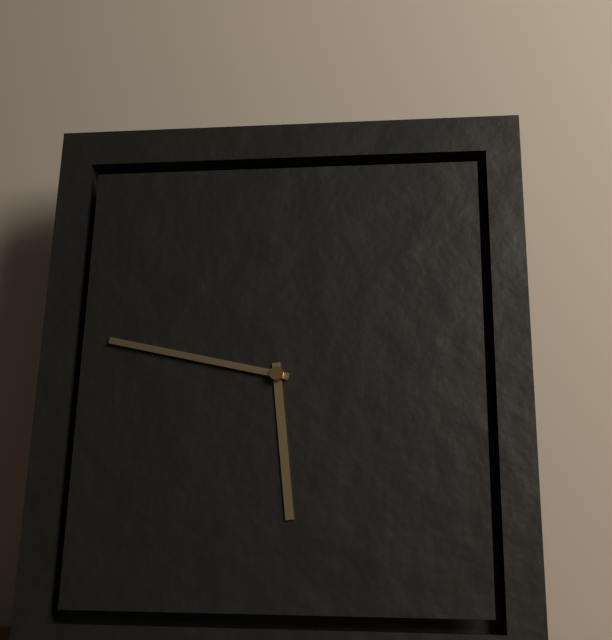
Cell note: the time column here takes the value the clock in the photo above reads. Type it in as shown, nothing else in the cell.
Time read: 5:47
